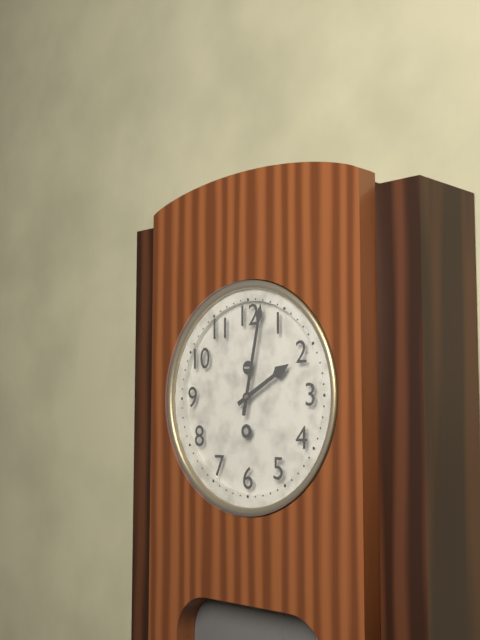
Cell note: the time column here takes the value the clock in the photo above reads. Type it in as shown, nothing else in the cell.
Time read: 2:02
